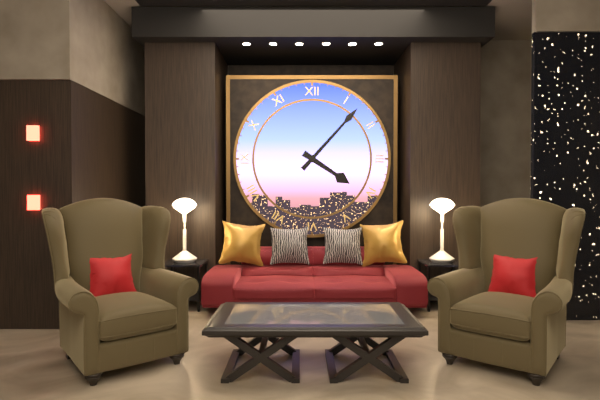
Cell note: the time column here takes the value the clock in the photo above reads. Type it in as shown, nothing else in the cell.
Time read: 4:07
